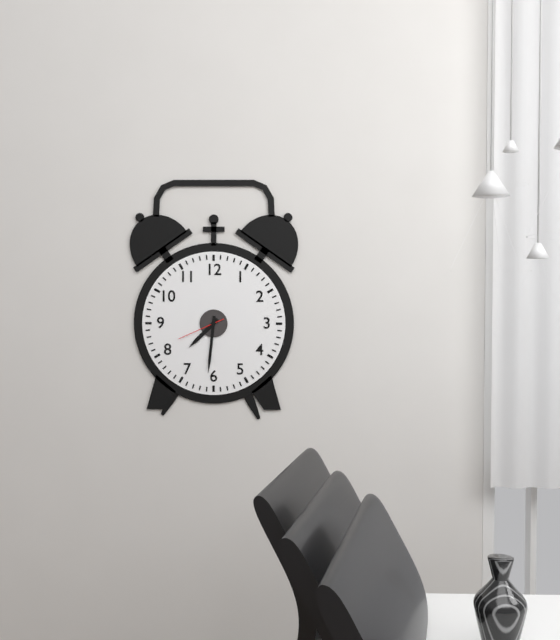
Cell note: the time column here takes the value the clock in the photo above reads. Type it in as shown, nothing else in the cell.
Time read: 7:31
